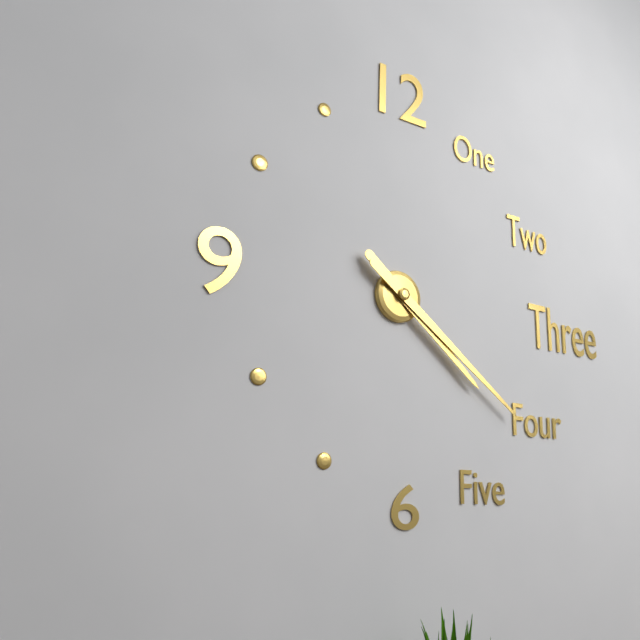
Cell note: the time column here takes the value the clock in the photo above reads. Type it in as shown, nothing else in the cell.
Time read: 4:21
